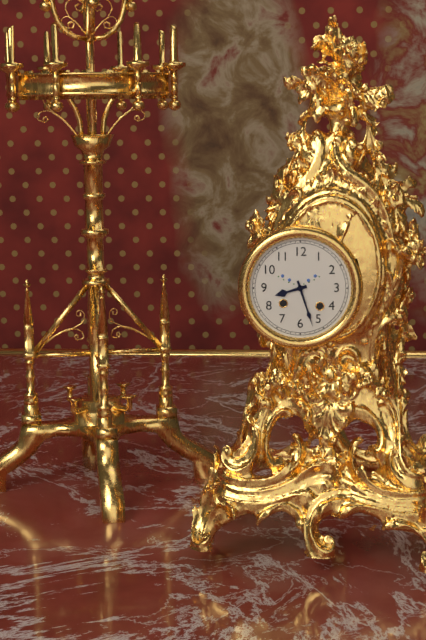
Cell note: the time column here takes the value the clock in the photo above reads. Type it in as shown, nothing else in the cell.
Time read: 8:27
